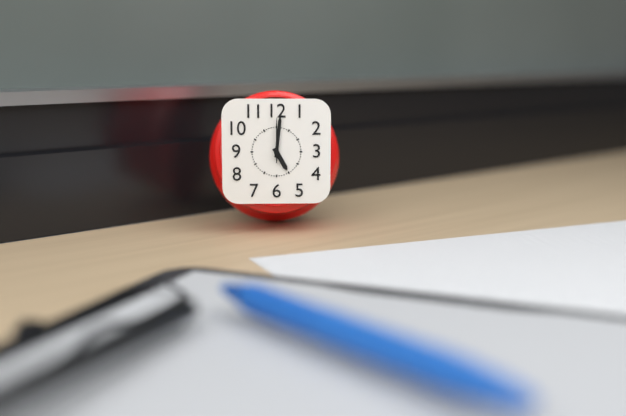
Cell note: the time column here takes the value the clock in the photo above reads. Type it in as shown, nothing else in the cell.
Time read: 5:01
